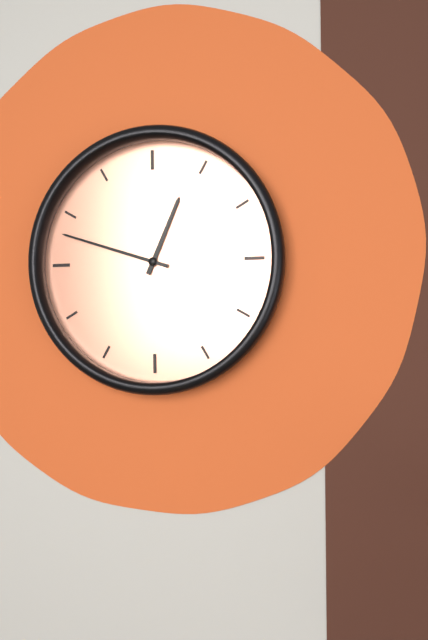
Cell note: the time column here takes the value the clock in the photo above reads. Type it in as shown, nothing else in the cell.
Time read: 12:48
